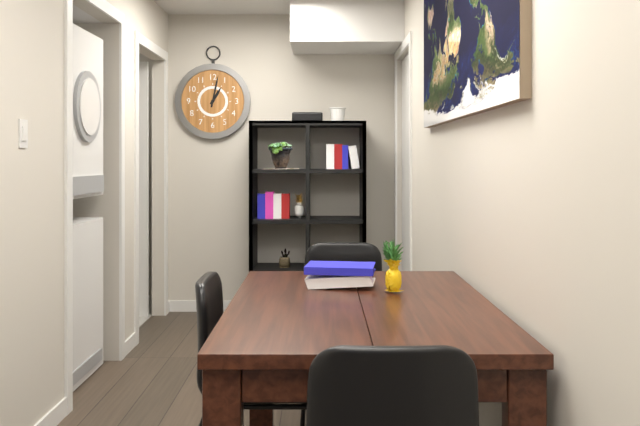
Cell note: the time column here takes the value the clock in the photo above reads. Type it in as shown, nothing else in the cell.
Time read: 1:02
